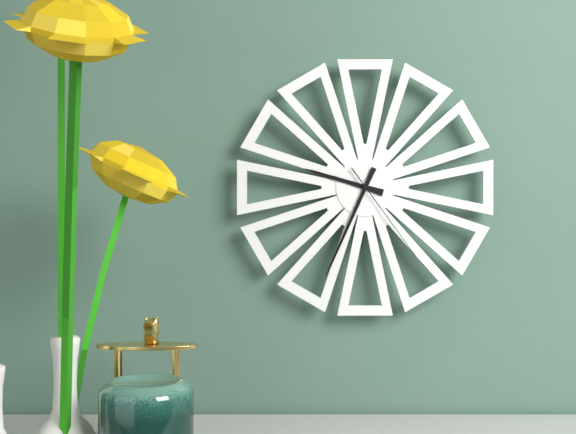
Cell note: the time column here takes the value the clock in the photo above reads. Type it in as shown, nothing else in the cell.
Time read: 9:34:24
